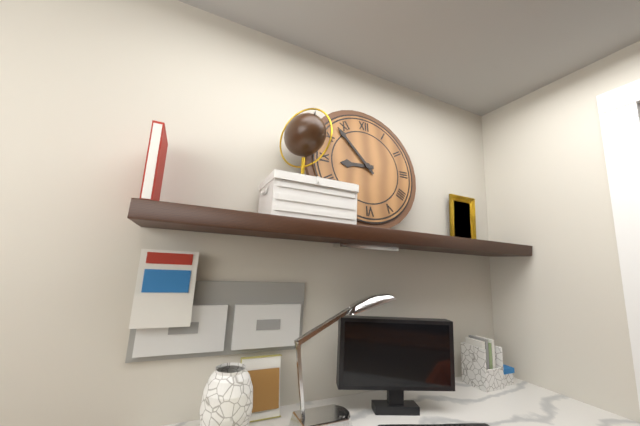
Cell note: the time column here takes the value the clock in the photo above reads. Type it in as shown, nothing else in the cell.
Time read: 8:53
